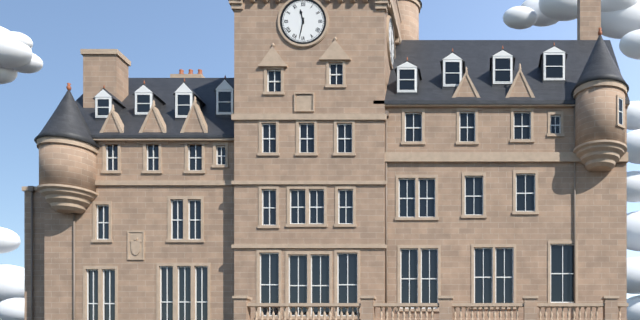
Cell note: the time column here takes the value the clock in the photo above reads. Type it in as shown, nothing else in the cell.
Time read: 11:32
